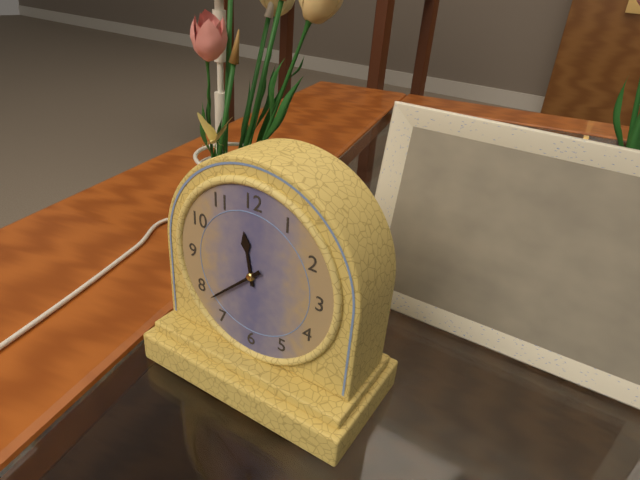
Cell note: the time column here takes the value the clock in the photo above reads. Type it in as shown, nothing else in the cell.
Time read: 11:38
